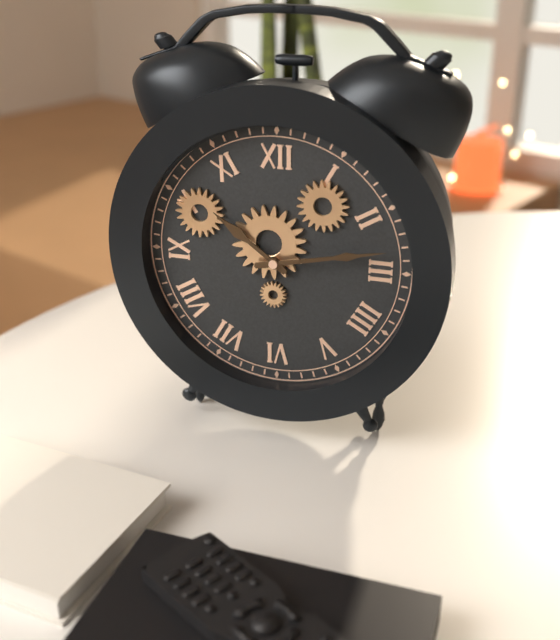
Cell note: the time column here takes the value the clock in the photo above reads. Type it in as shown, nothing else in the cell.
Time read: 10:13
